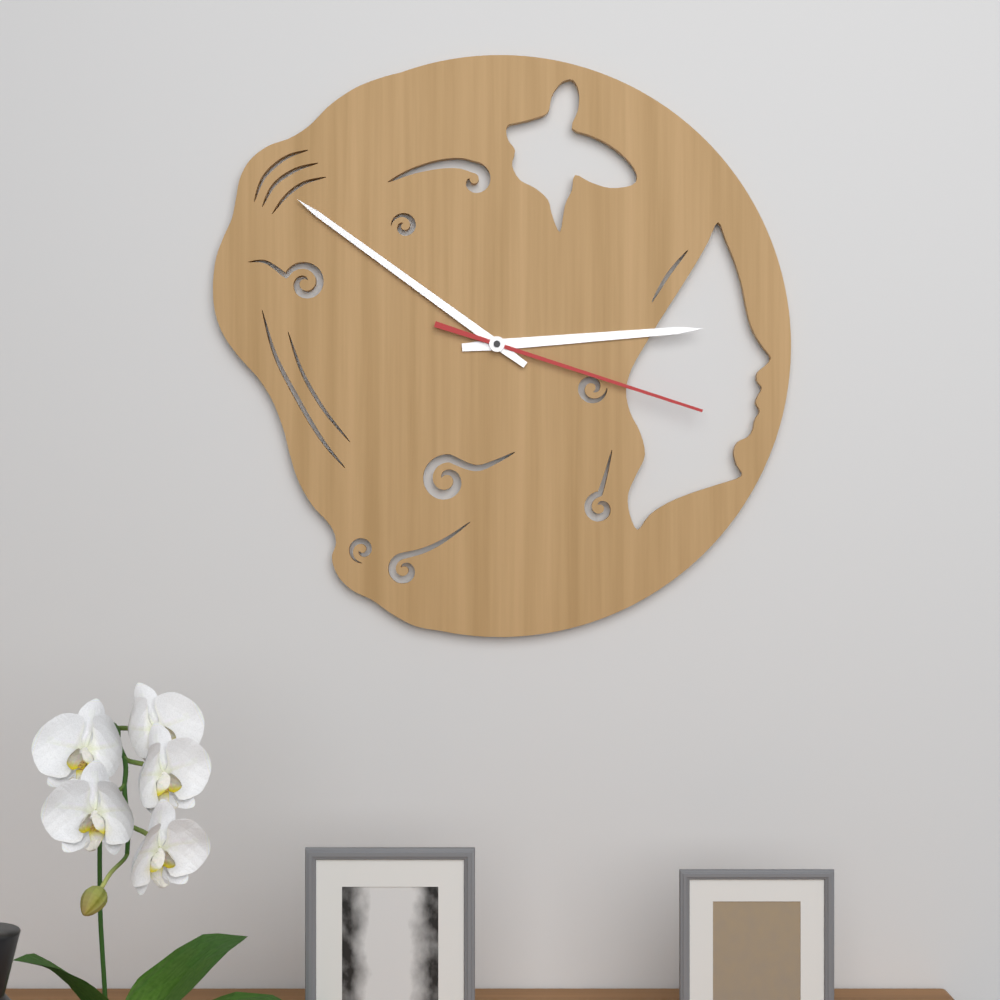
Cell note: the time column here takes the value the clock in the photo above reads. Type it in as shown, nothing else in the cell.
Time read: 2:51:18
